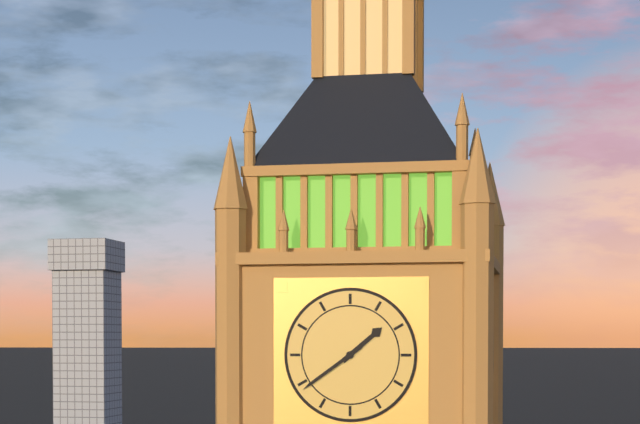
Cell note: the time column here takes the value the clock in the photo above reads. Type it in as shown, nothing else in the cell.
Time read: 1:39
